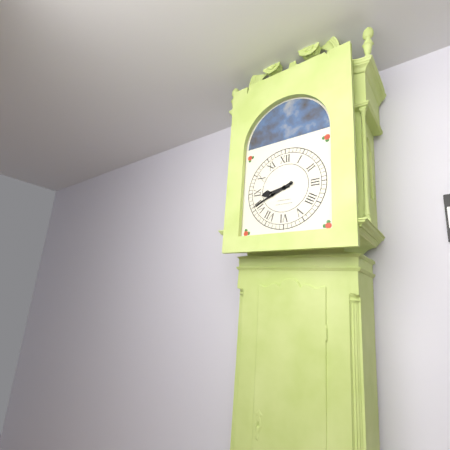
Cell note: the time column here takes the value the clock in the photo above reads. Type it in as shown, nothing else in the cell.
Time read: 8:41
